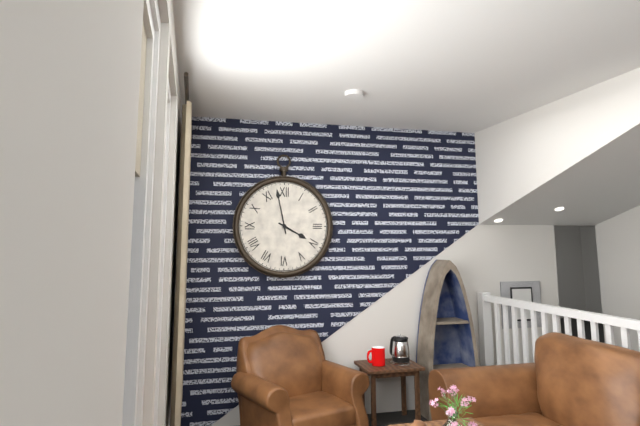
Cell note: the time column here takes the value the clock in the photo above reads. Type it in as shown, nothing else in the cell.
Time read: 3:58
